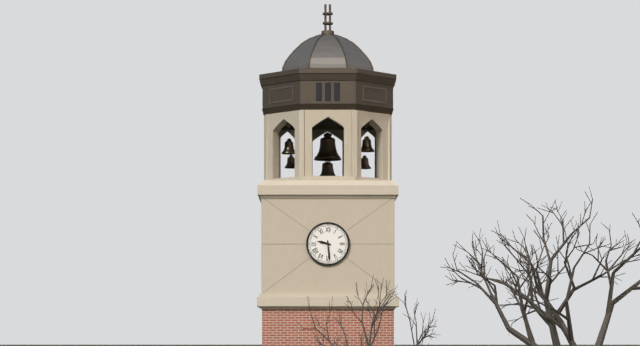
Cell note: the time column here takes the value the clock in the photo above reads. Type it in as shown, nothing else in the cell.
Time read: 9:29
